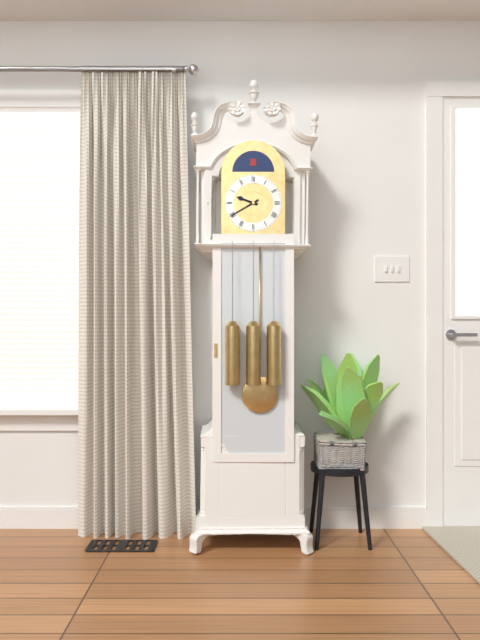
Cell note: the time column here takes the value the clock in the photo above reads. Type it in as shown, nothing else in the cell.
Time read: 9:40
